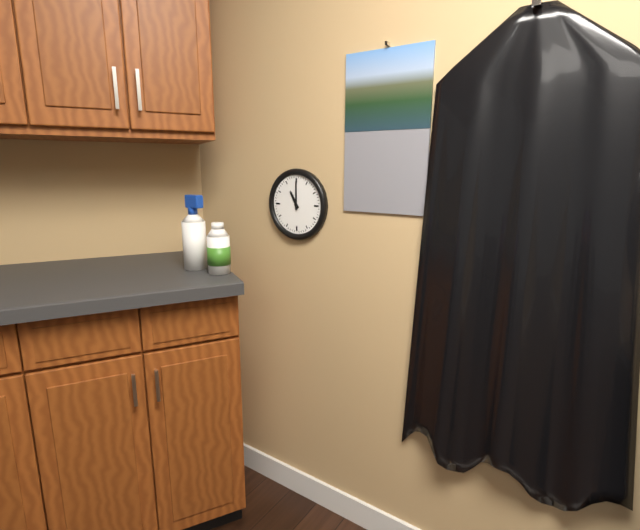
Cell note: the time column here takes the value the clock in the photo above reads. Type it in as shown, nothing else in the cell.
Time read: 11:00
